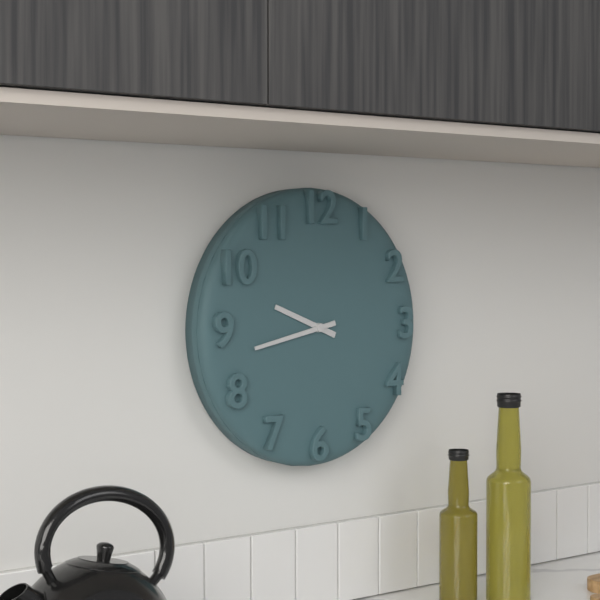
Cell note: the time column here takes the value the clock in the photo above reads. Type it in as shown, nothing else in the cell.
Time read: 9:43
